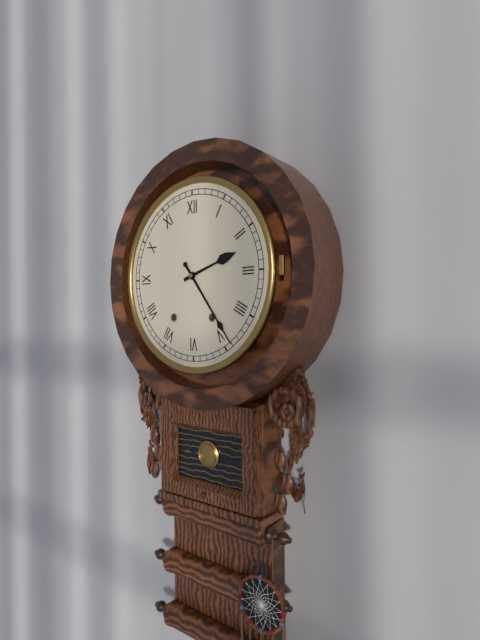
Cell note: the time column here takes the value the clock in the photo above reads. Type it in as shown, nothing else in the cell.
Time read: 2:24
